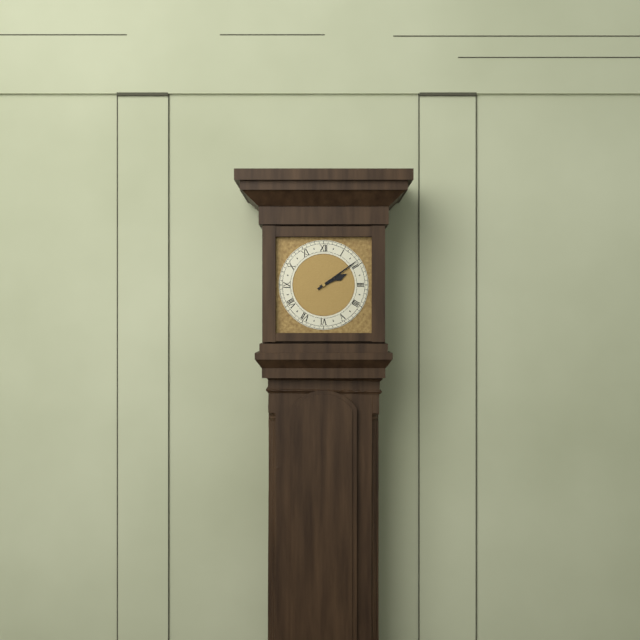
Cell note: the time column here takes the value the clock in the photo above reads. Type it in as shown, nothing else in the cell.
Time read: 2:09
